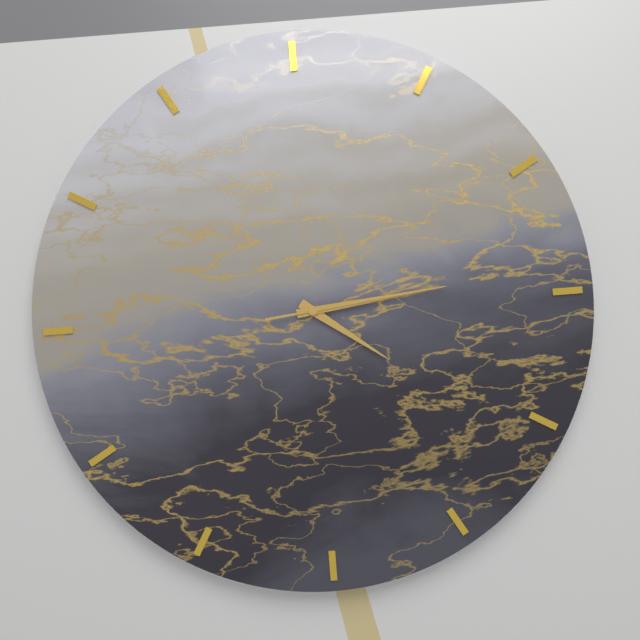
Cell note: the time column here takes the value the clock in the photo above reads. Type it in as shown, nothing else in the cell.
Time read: 4:14:14
